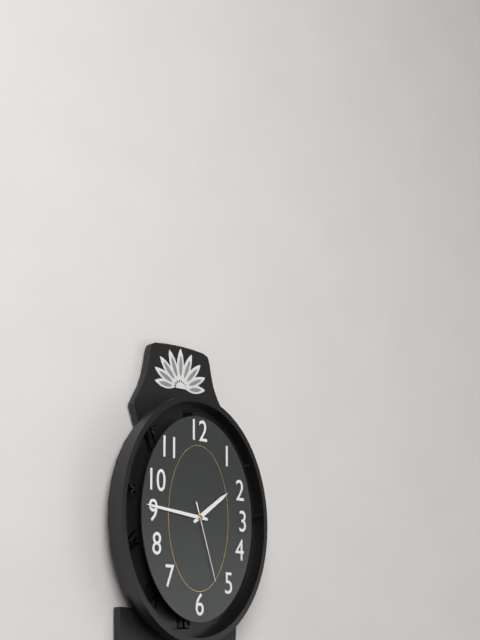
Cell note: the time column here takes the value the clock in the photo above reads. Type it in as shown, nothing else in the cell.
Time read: 1:46:27
